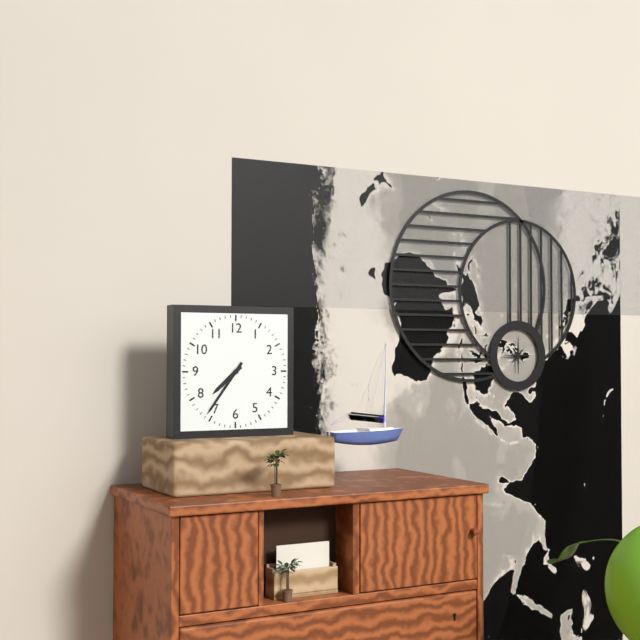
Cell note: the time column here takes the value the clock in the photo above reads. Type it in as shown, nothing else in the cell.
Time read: 7:36
